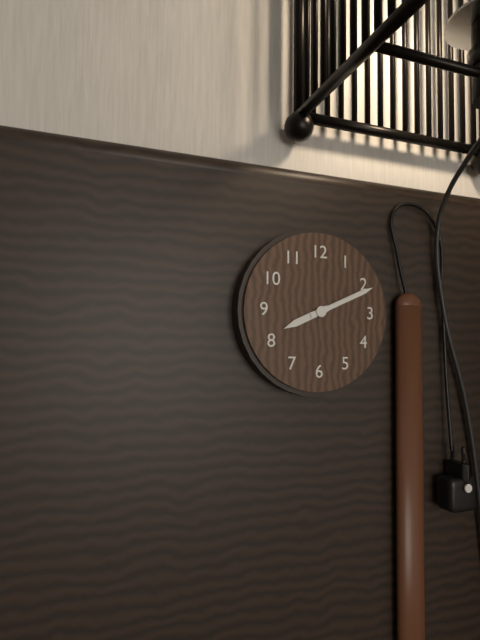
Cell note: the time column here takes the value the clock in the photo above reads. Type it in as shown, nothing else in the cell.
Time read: 8:11
